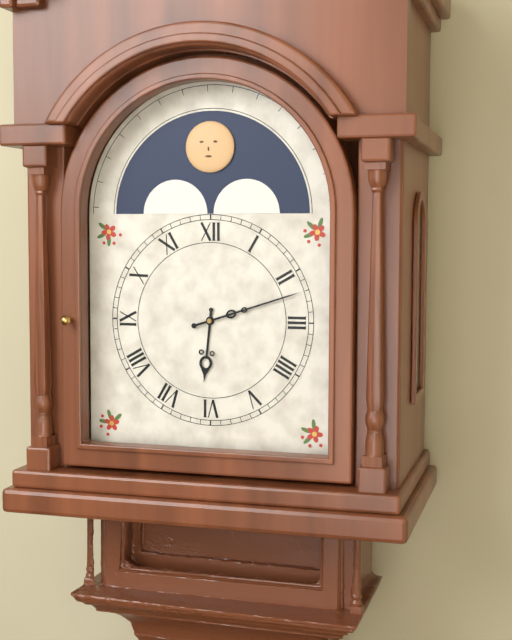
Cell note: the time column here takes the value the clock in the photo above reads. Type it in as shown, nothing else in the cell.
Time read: 6:12
